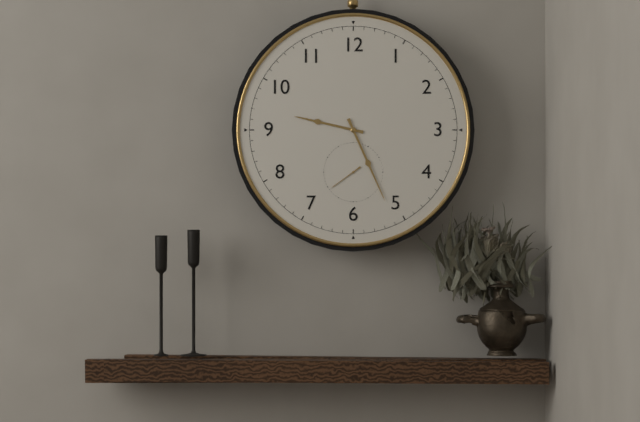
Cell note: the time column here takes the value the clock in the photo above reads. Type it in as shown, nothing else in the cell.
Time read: 9:26
